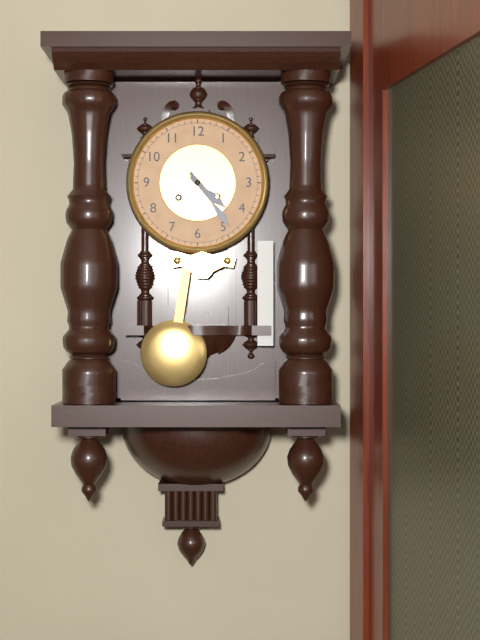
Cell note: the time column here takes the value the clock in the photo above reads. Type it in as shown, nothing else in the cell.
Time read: 4:24
